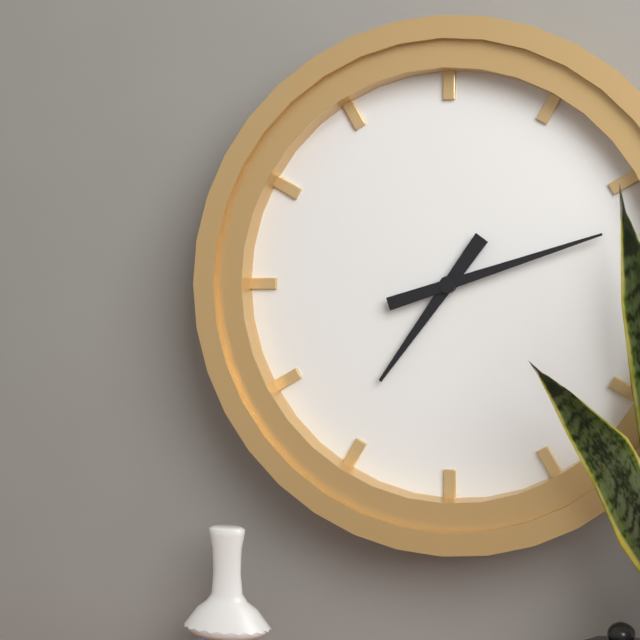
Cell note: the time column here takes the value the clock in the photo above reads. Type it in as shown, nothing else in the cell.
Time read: 7:12
